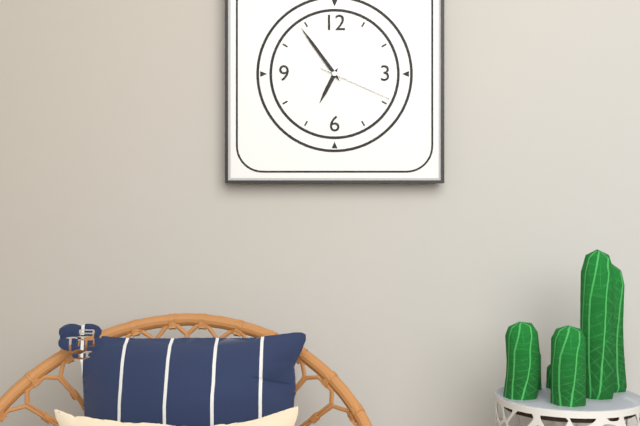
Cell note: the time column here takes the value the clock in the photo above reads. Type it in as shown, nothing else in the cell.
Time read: 6:54:19
